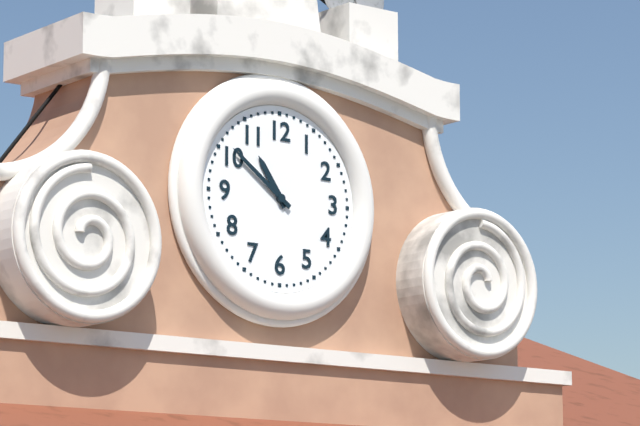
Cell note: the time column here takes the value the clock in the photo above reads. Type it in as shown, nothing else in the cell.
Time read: 10:51
